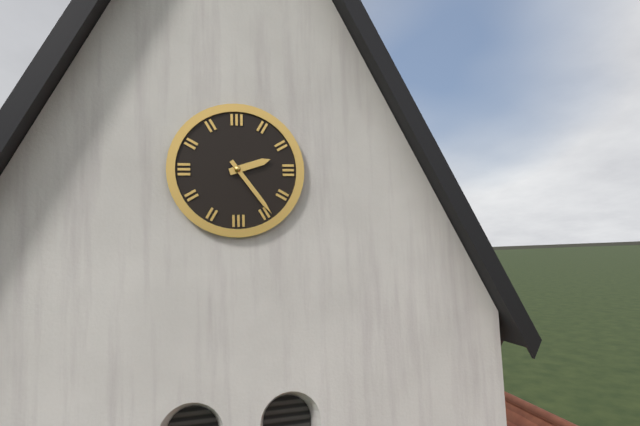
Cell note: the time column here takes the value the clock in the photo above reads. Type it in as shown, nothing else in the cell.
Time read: 2:24
